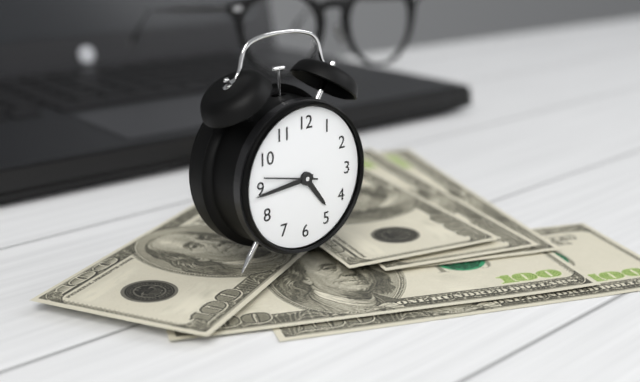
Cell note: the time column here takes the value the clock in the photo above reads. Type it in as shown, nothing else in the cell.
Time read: 4:44:47
